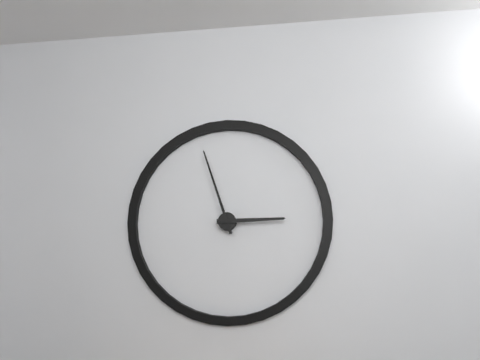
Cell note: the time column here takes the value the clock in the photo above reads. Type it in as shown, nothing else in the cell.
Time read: 2:57
